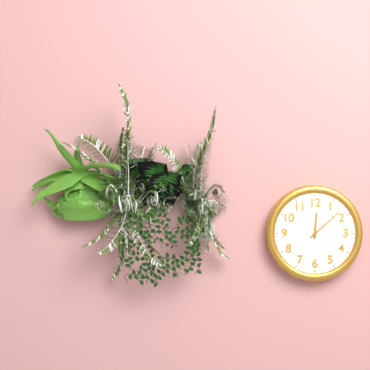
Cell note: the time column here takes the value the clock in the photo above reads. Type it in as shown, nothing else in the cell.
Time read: 12:08
